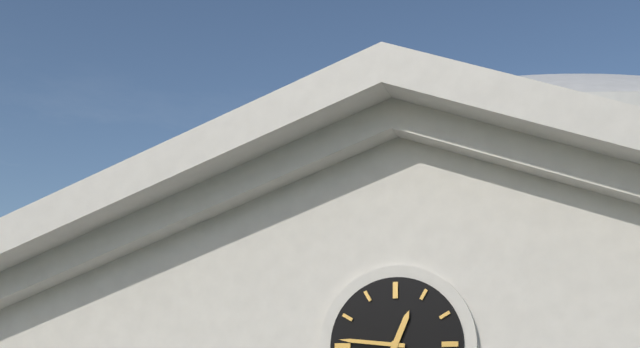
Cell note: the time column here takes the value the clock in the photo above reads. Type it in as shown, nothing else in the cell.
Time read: 12:46
